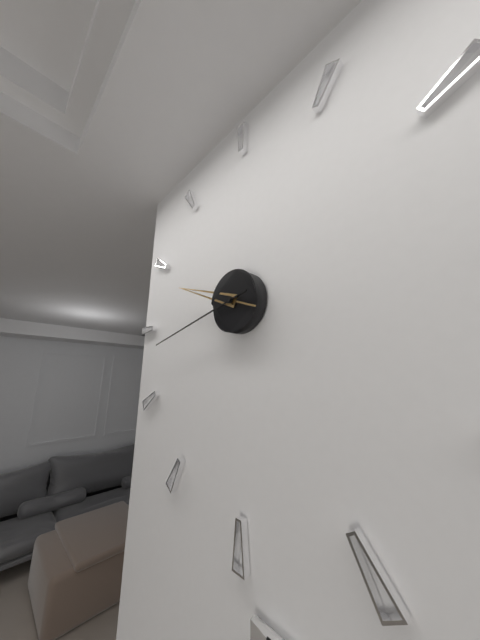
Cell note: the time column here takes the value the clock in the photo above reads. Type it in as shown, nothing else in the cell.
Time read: 9:43
